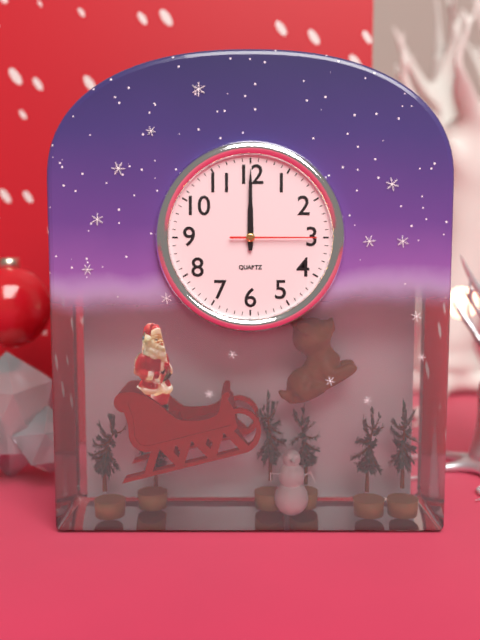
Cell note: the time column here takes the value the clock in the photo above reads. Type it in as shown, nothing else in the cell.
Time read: 12:00:15
